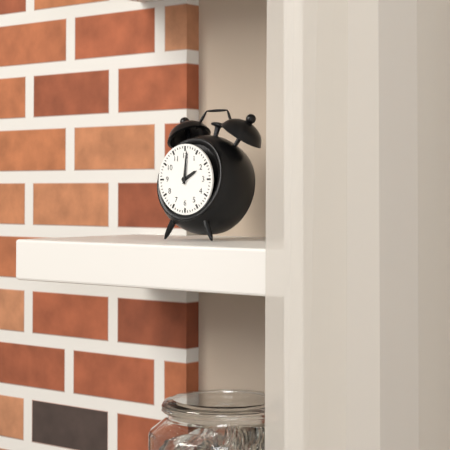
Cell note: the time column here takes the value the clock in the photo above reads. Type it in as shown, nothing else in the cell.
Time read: 2:01
